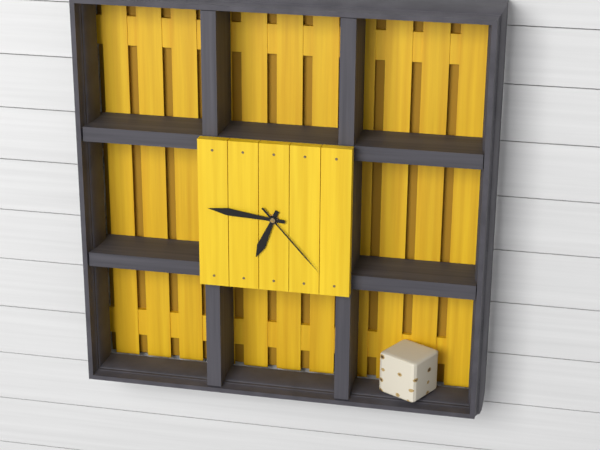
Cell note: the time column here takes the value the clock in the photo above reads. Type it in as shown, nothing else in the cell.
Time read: 6:46:23
